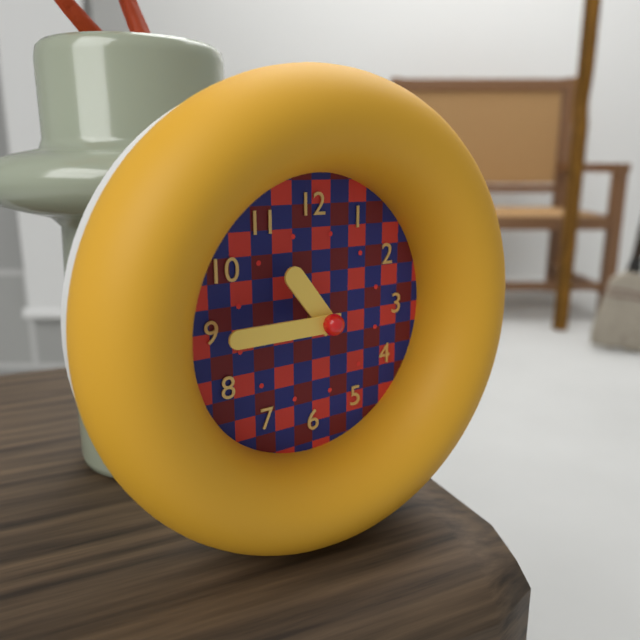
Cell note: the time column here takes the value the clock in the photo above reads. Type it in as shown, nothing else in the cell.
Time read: 10:45
